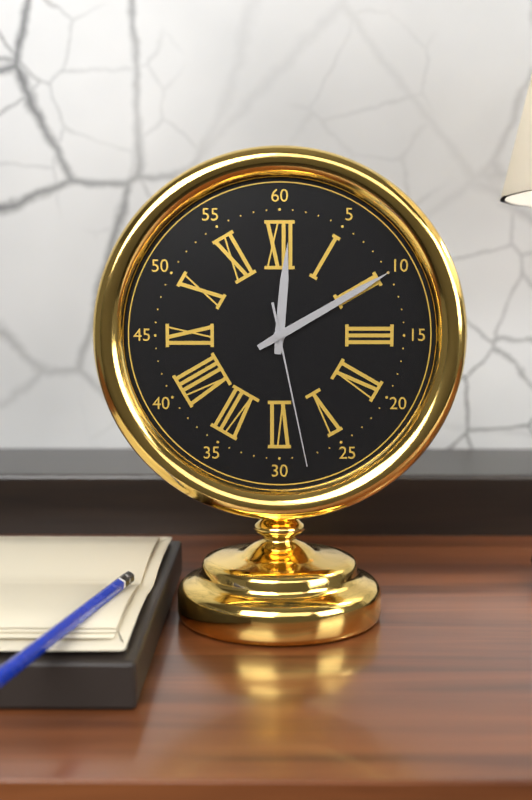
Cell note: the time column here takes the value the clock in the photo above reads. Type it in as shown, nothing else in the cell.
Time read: 12:10:28
